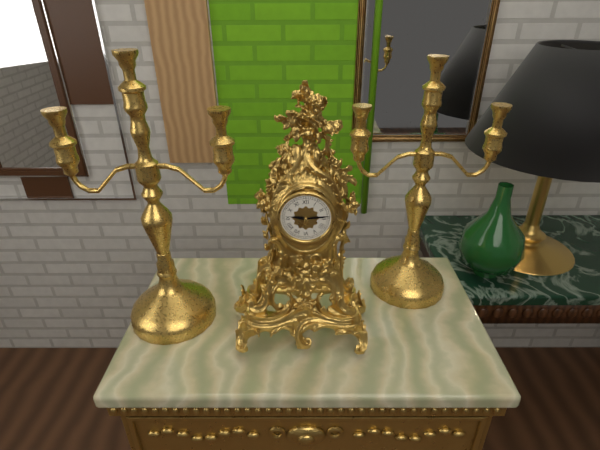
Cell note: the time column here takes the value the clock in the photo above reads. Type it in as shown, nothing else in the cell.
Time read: 9:14
